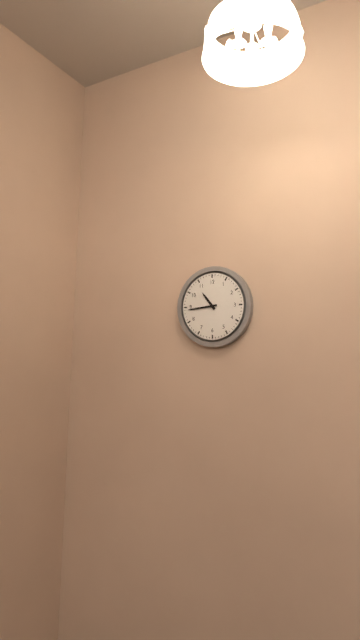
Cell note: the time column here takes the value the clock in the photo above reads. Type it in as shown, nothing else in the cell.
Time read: 10:44
